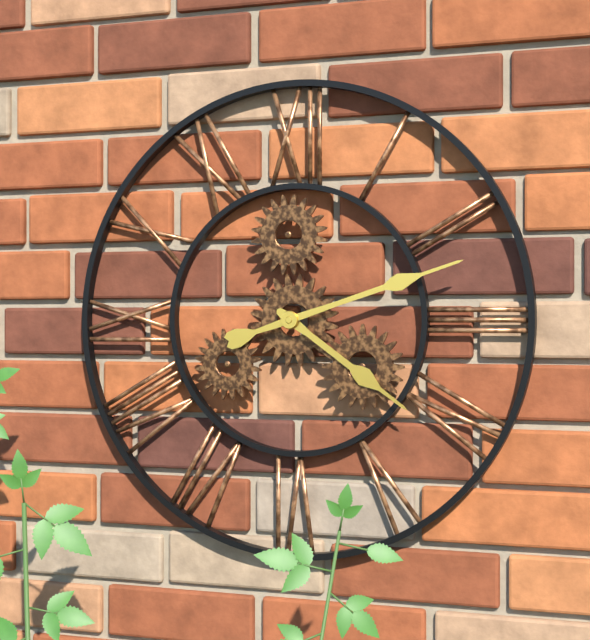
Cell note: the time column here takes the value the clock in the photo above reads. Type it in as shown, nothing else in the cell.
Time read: 4:12
